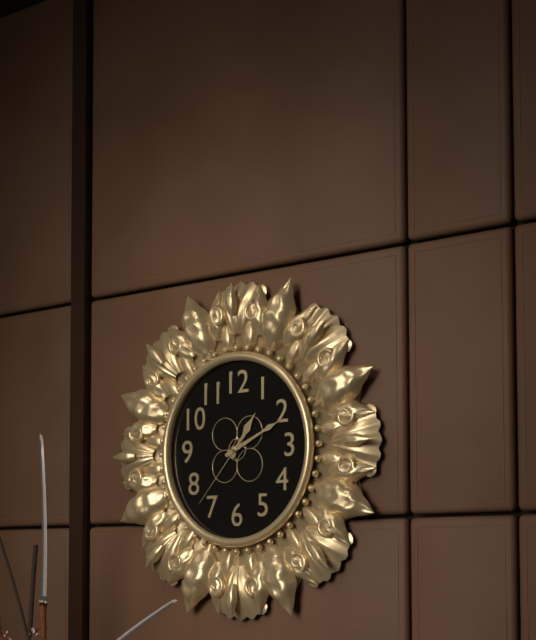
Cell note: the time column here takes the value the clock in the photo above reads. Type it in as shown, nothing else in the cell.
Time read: 1:11:37
